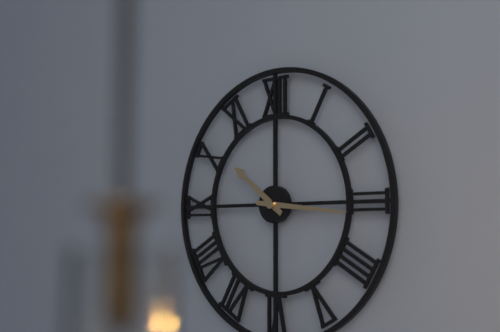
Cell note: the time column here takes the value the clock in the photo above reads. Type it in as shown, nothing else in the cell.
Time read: 10:16
